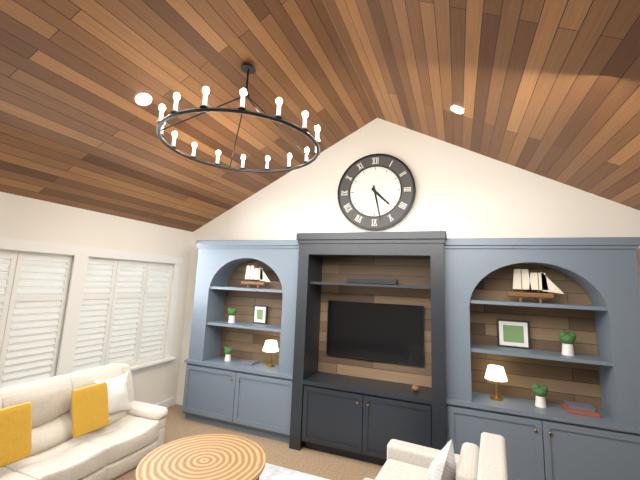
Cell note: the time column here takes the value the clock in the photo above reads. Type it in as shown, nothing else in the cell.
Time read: 4:28
